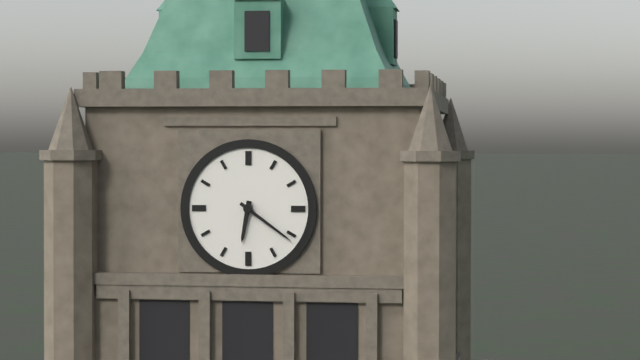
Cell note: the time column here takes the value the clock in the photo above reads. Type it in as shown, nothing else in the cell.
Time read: 6:21
